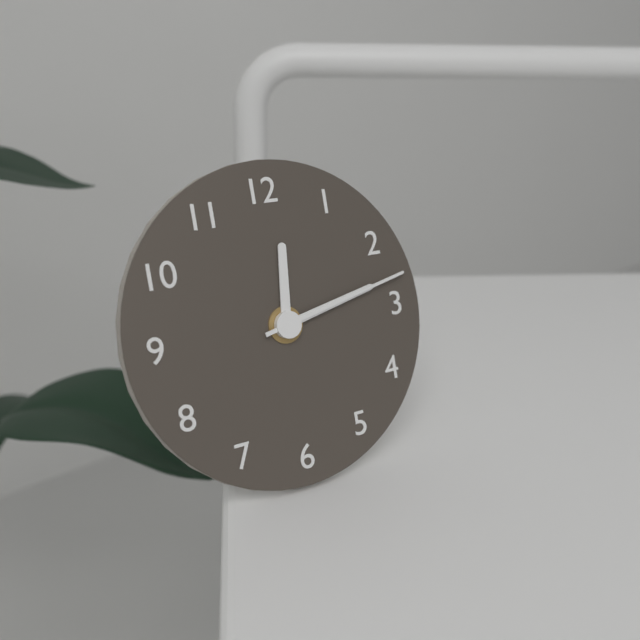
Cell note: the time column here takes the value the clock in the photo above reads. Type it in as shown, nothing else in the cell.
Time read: 12:13:13
